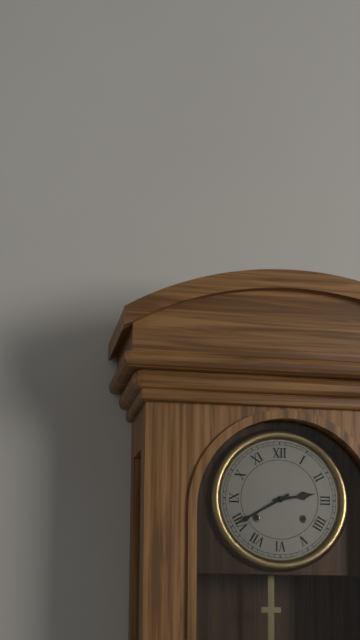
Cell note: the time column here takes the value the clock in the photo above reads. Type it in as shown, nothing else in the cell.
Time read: 2:40
